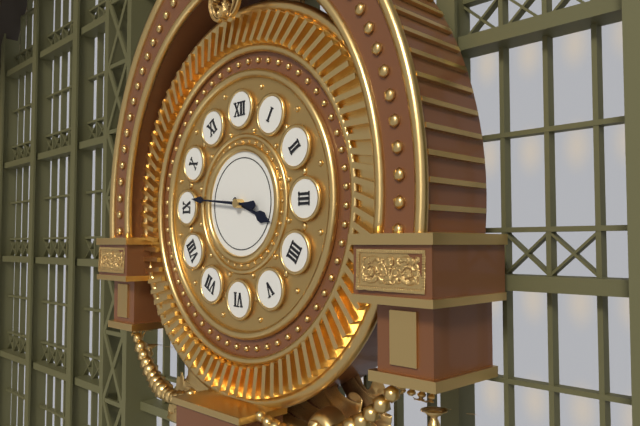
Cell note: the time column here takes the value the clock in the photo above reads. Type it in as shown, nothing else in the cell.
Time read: 3:46
